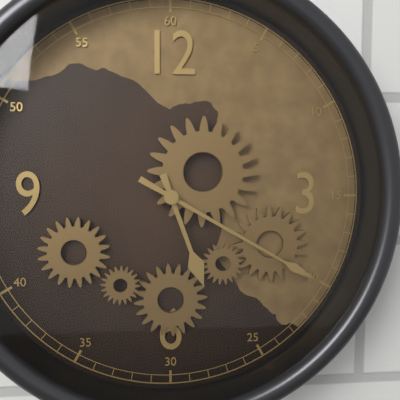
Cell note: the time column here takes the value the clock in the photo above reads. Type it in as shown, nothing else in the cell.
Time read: 5:20
